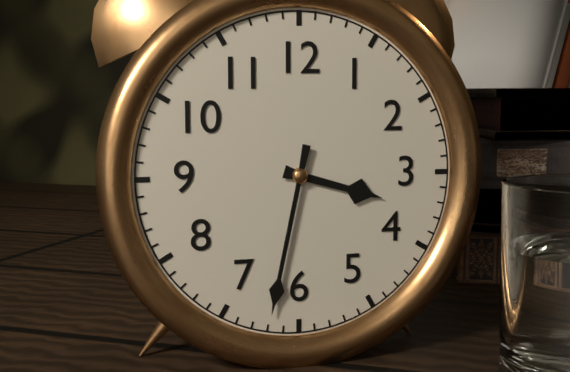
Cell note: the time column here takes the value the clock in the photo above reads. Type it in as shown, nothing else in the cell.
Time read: 3:32
